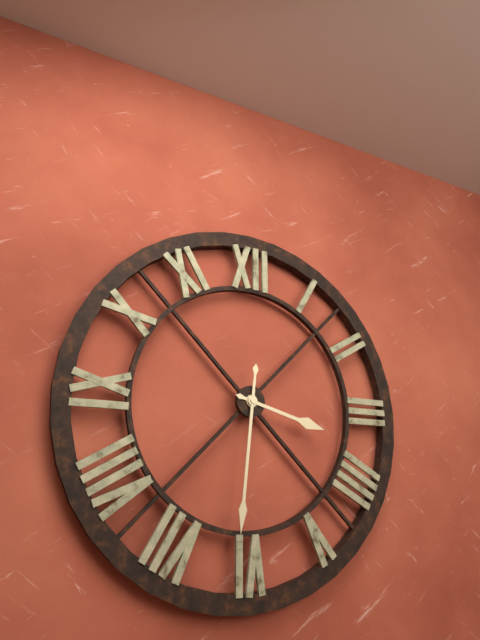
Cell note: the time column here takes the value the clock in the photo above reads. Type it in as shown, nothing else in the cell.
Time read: 3:31
